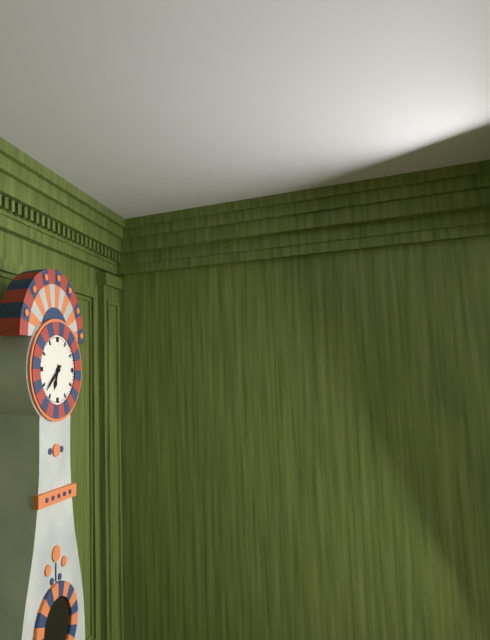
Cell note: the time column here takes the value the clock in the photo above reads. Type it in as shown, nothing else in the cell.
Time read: 6:38
